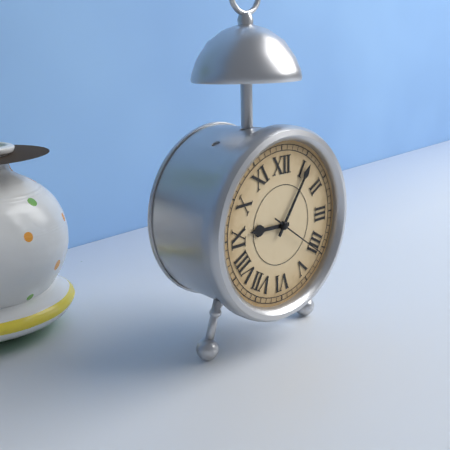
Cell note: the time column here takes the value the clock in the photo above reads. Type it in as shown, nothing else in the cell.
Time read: 9:06:21
